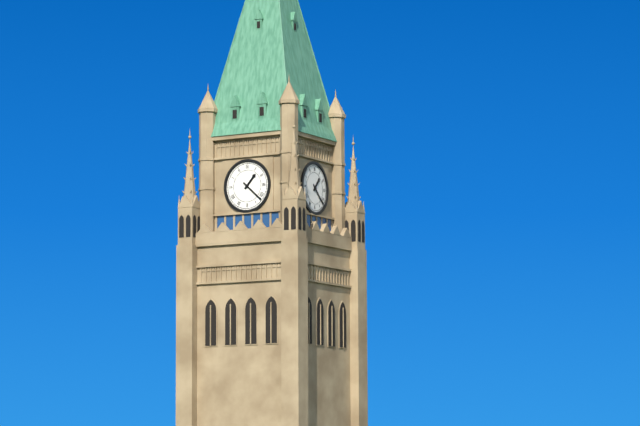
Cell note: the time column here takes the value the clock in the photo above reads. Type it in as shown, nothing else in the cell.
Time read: 1:22
